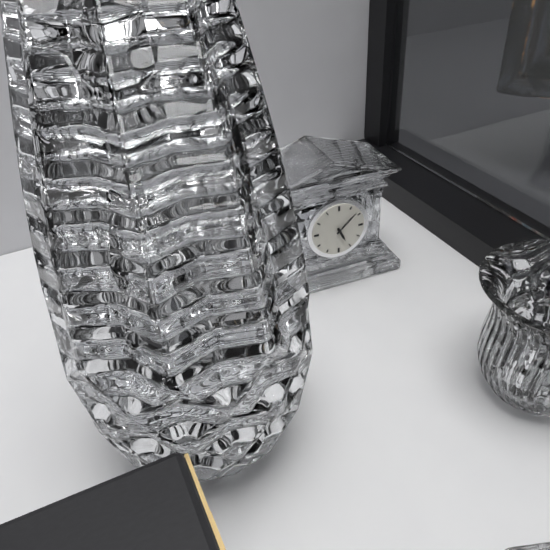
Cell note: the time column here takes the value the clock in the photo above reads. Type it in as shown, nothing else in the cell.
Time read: 5:08
